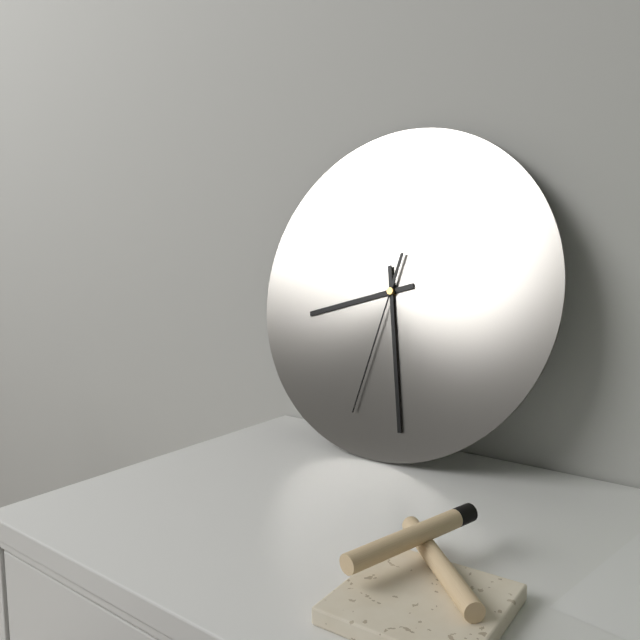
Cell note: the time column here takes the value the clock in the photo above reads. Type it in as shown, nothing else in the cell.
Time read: 8:28:32
